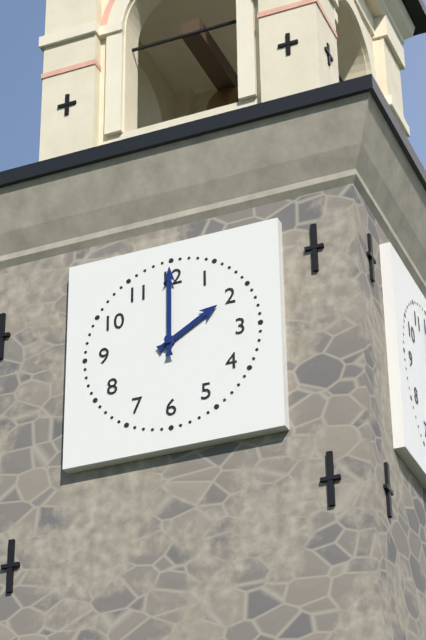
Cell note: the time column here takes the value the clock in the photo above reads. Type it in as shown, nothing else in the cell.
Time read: 2:00
